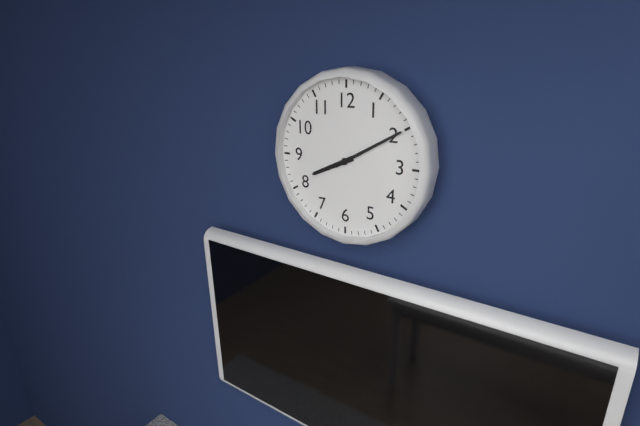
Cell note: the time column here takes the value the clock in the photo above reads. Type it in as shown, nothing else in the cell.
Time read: 8:10
